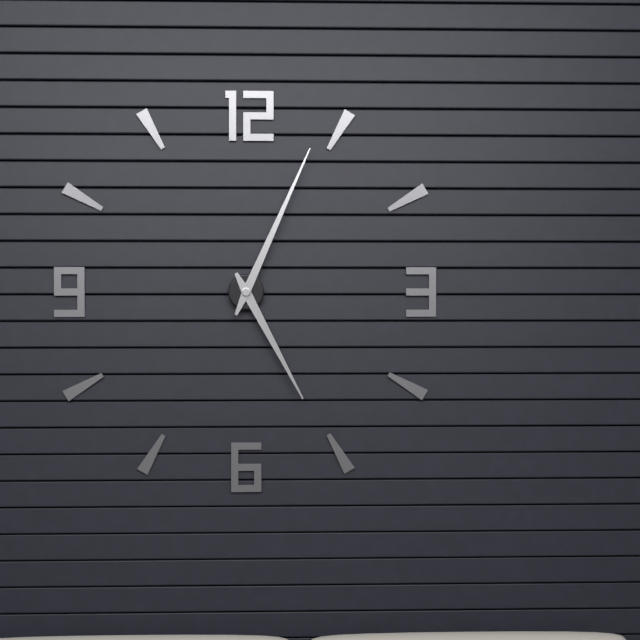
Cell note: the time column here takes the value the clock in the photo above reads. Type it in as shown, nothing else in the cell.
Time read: 5:04
